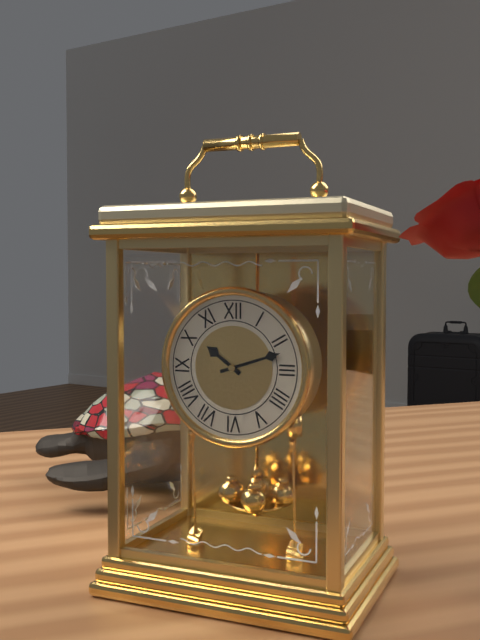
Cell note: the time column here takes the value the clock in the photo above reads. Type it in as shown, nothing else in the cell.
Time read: 10:12
